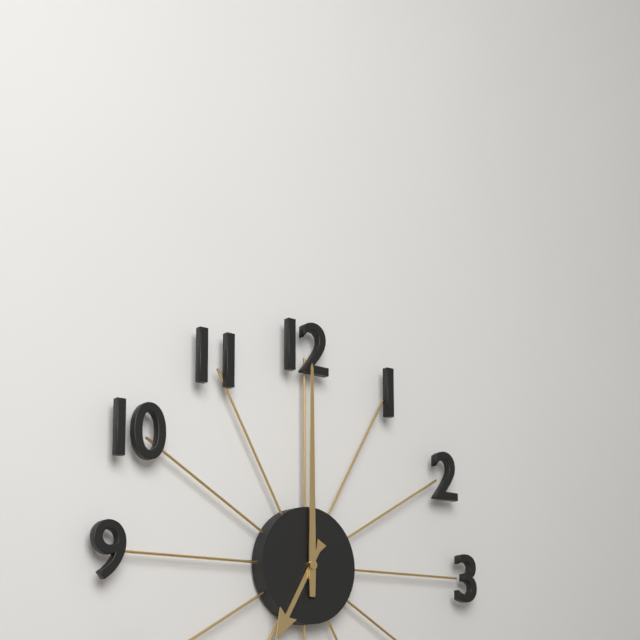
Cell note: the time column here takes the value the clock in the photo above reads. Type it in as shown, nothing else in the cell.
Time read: 7:00
